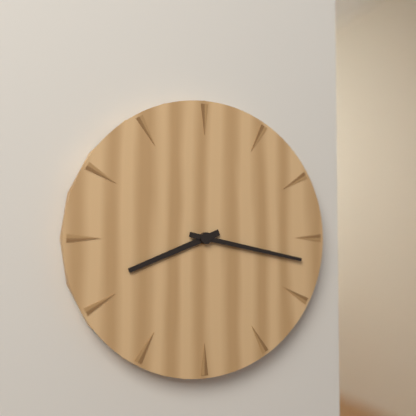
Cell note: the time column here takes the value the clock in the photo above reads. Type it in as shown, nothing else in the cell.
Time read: 8:17
